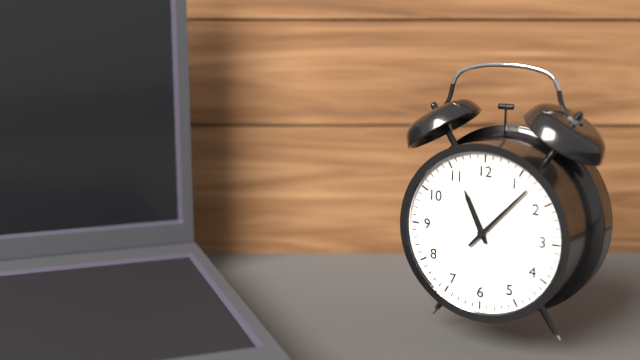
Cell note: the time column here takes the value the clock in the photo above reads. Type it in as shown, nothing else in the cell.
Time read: 11:07
